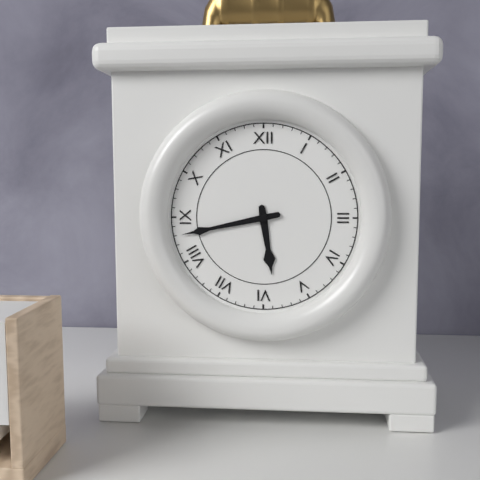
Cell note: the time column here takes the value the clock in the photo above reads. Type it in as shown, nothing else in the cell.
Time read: 5:43
